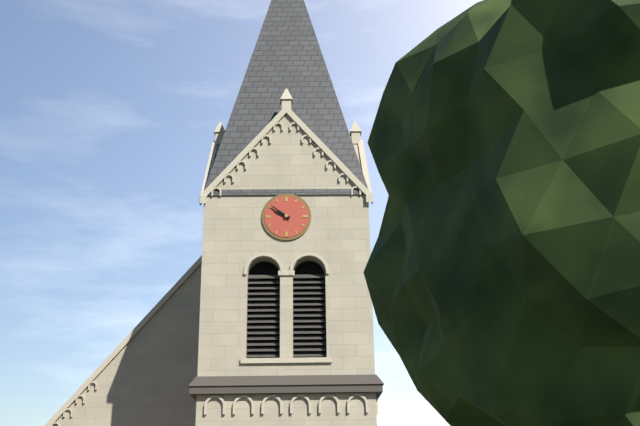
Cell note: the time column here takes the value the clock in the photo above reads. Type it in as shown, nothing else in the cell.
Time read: 9:51
